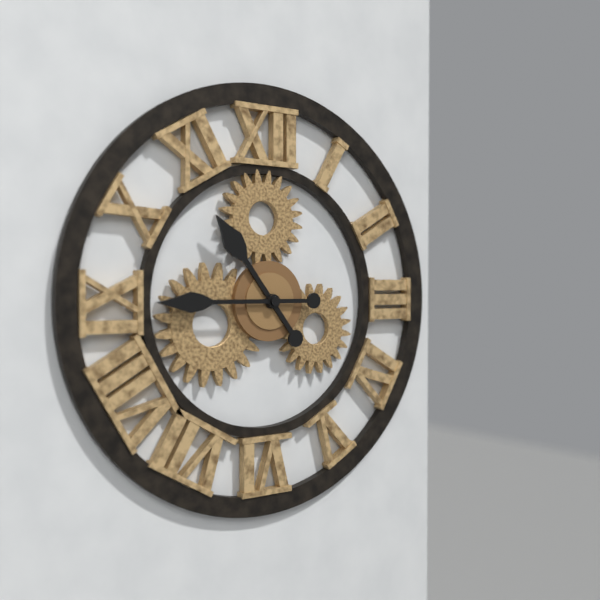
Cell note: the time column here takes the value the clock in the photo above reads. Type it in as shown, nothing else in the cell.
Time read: 10:45
